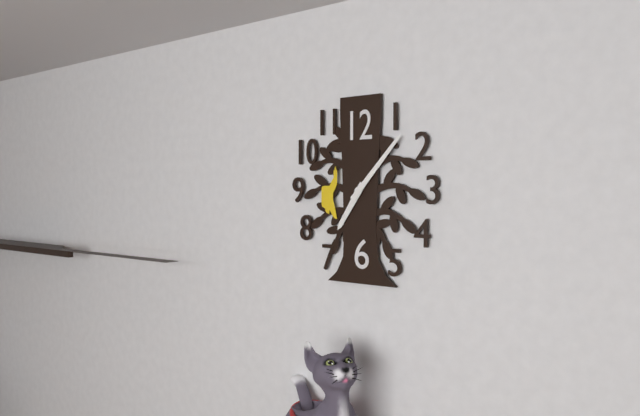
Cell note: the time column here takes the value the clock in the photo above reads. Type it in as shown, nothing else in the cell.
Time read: 7:07
